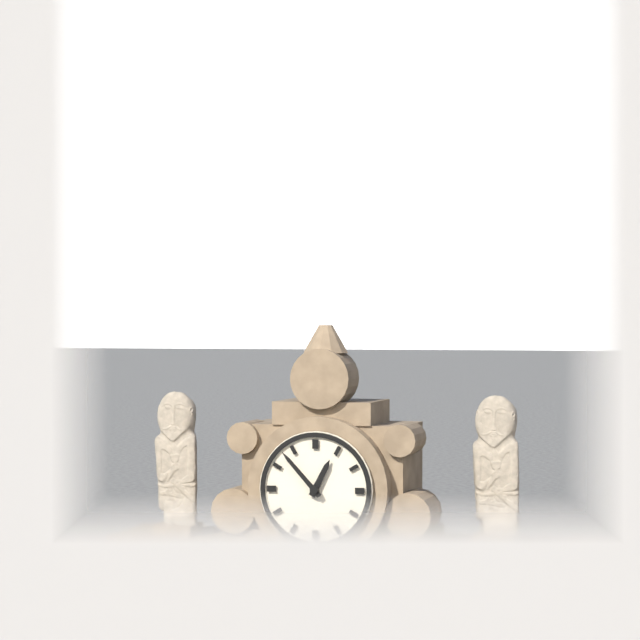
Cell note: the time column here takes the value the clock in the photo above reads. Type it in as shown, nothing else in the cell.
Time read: 12:53
